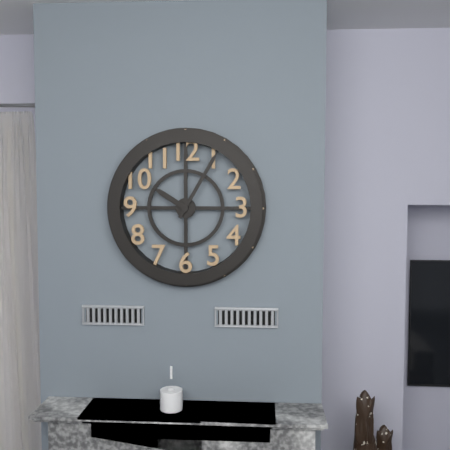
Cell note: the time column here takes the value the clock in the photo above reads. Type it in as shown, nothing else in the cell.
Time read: 10:05
